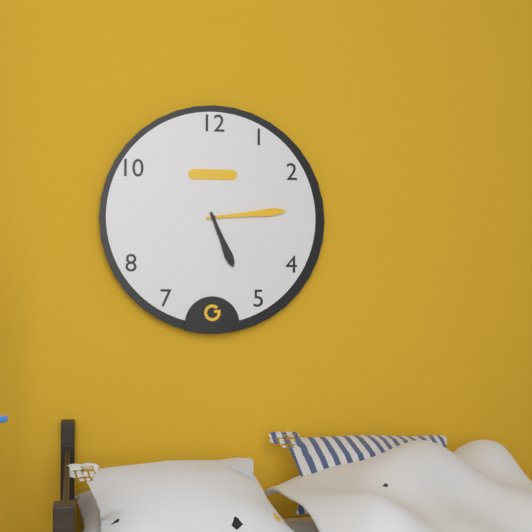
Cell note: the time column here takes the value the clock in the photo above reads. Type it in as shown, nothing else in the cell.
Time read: 5:14
